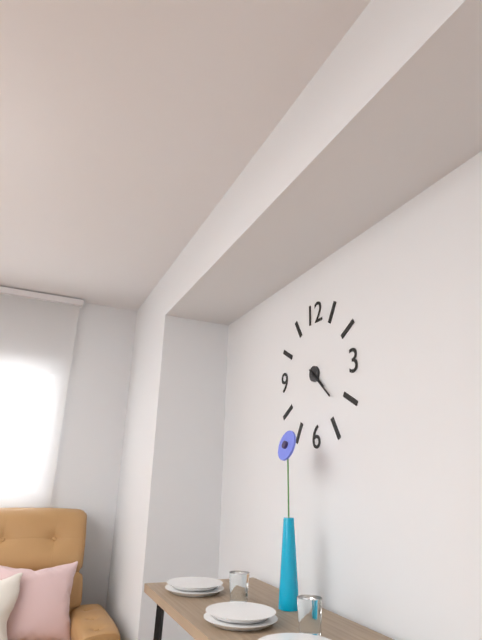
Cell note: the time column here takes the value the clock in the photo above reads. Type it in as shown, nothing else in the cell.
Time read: 4:22
